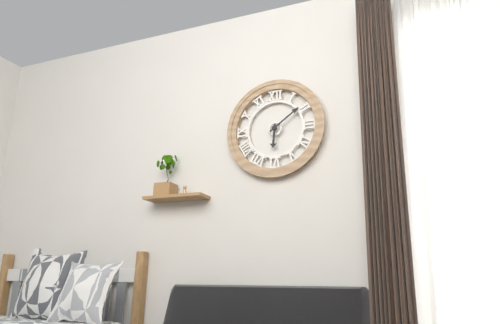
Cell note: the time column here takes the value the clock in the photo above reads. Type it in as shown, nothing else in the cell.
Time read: 6:09
